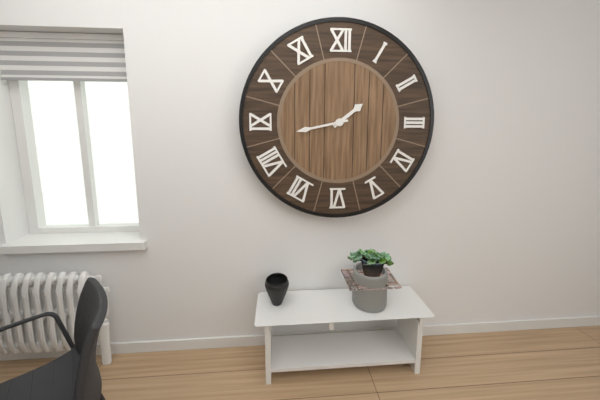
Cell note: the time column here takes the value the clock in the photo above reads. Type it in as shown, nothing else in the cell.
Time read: 1:43
